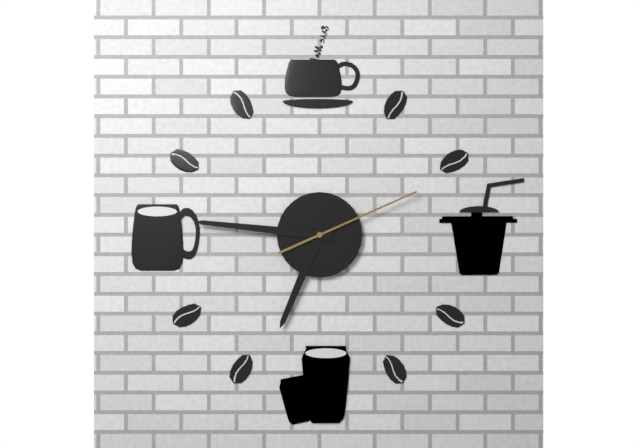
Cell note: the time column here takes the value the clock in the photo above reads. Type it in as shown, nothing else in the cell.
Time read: 6:46:11
